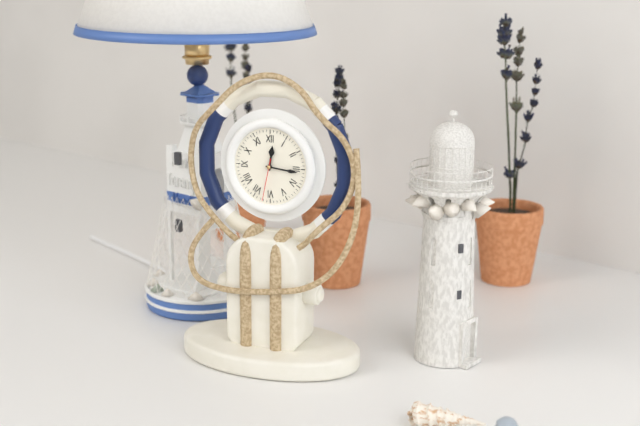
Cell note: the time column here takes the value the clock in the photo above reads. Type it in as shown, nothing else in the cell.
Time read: 12:16
